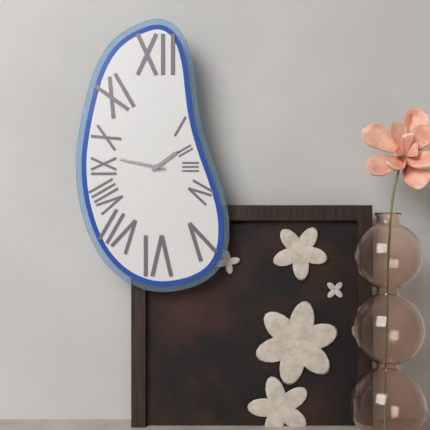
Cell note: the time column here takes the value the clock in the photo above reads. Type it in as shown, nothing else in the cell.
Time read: 1:47
